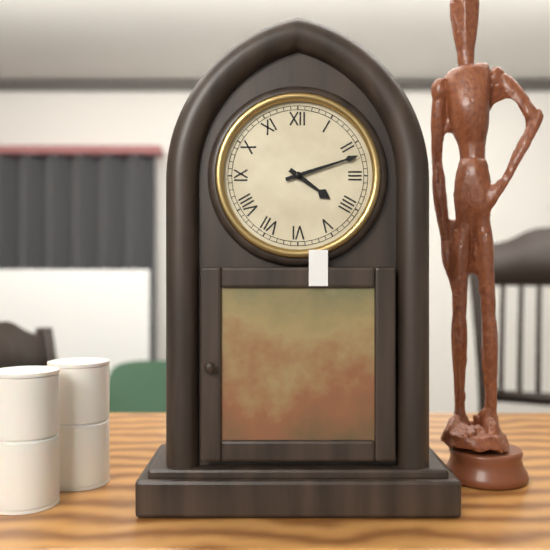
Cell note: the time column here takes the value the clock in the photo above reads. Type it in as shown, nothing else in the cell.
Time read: 4:12
